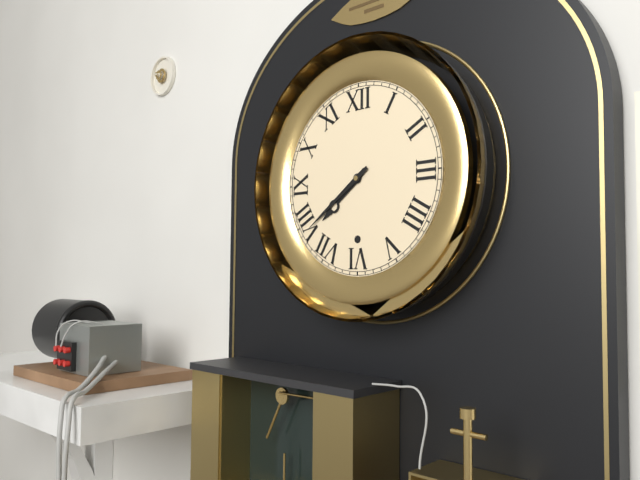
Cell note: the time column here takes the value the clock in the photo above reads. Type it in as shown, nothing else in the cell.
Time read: 7:39
